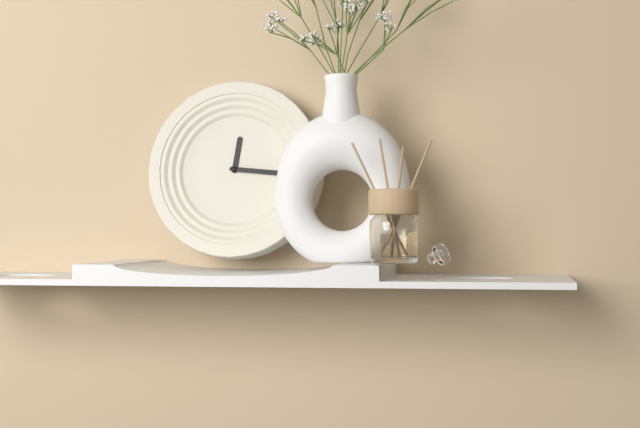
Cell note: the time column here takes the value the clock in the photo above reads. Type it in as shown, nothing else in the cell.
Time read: 12:16
